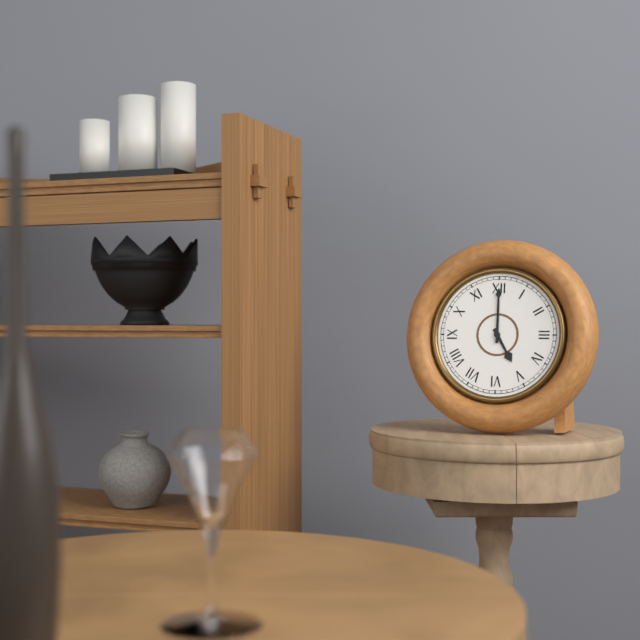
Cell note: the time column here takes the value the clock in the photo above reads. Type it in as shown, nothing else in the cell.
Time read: 5:00
